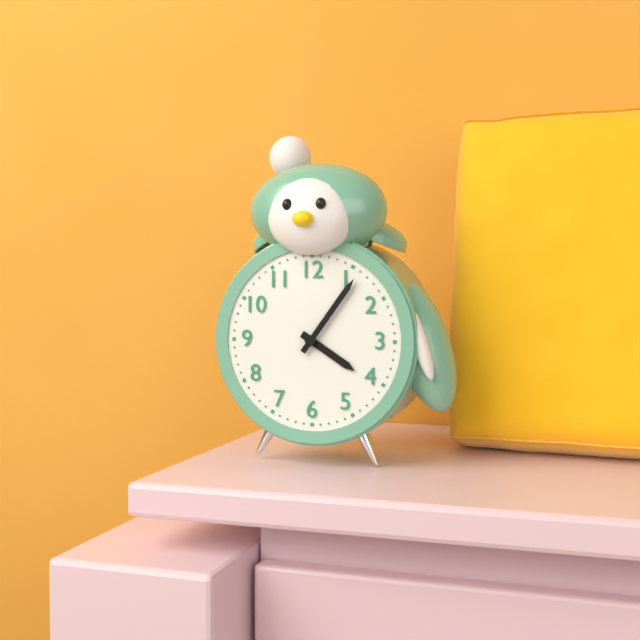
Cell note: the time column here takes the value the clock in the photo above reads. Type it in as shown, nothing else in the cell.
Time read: 4:06
